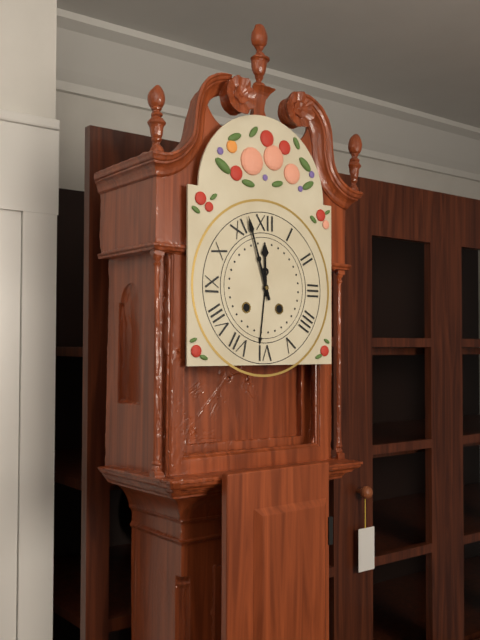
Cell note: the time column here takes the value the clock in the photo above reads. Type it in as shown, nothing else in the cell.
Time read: 11:57
